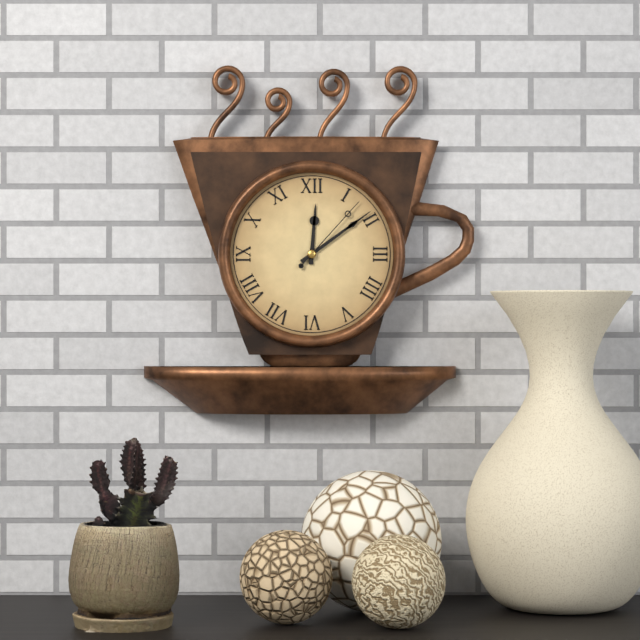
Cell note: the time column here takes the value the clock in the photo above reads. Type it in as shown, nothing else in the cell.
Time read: 12:09:07
